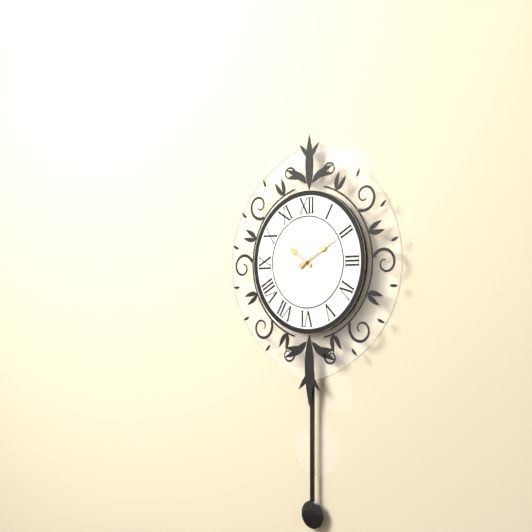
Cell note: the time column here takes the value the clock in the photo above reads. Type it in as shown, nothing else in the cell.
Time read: 10:10
